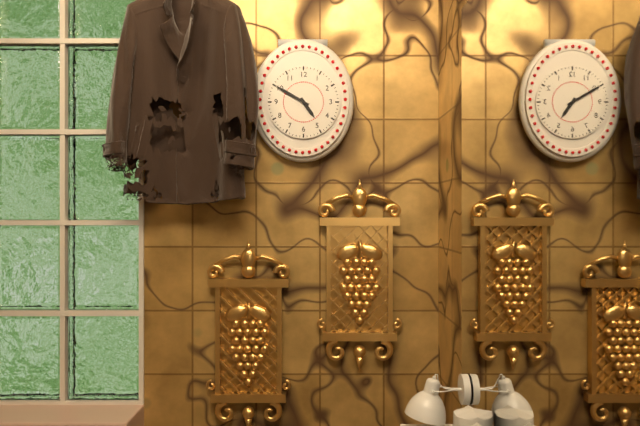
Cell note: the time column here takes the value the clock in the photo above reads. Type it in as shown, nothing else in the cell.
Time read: 4:50
